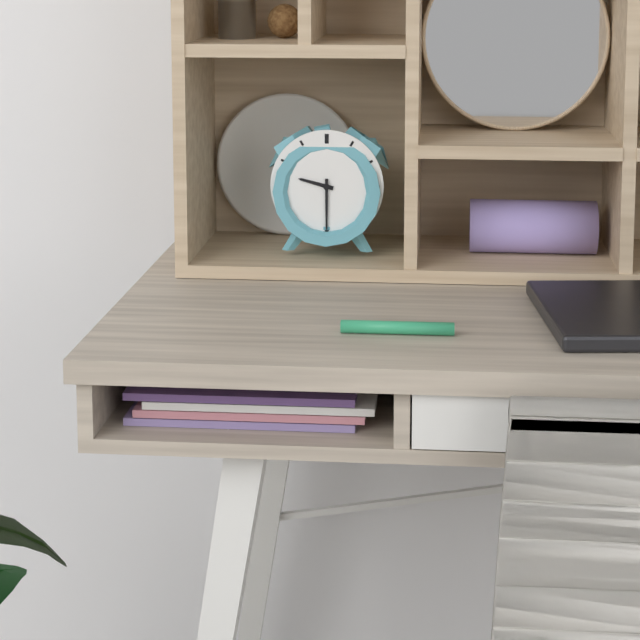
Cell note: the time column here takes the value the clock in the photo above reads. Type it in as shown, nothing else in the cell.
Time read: 9:30
